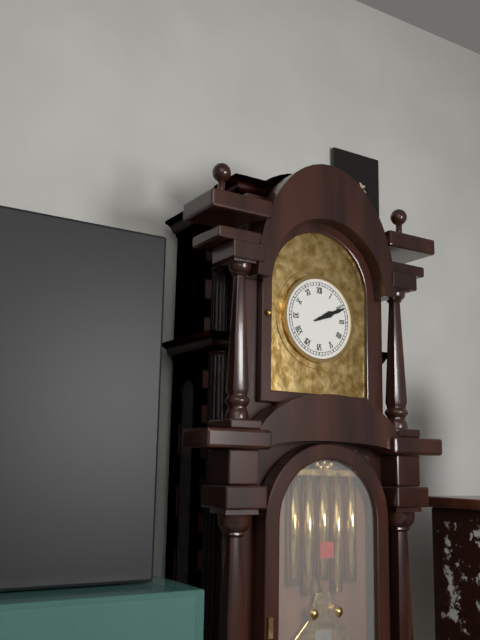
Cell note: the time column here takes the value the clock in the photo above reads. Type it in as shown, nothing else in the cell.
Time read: 2:11
